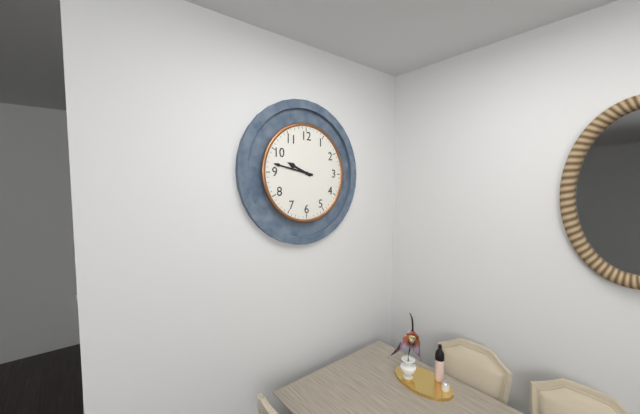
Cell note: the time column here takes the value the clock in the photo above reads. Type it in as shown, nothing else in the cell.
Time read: 9:47
